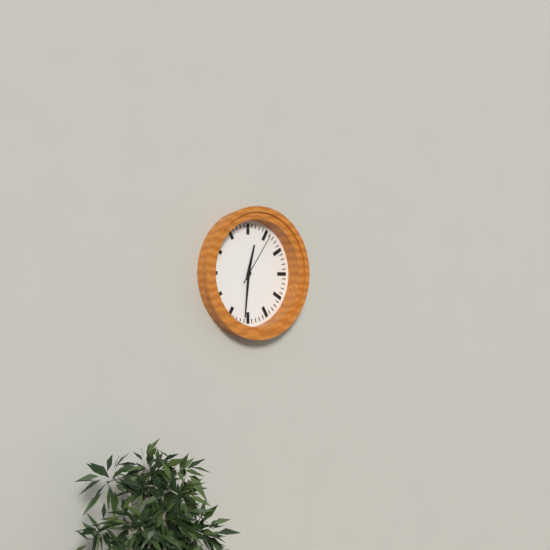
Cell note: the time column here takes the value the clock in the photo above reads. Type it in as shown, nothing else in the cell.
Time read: 12:31:06
